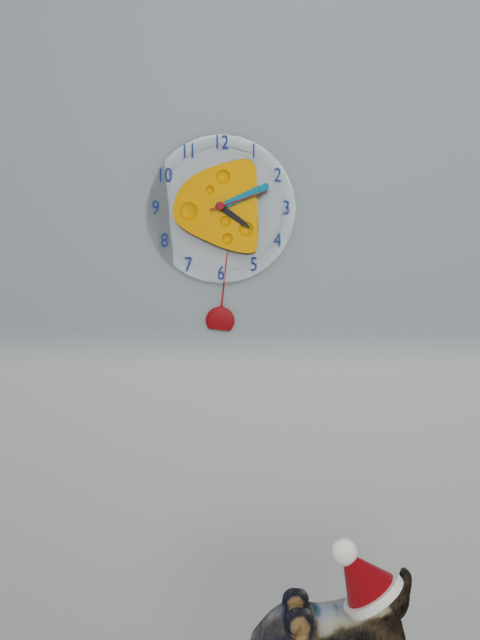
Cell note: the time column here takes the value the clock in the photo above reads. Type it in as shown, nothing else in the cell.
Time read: 4:11:12
